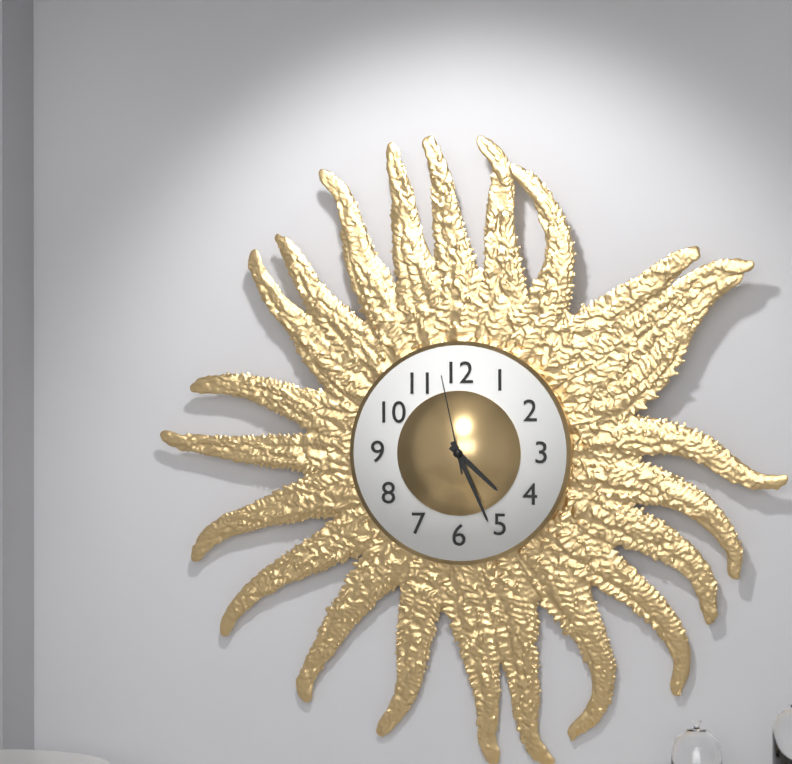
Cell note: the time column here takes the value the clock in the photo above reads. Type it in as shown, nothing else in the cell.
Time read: 4:26:58
